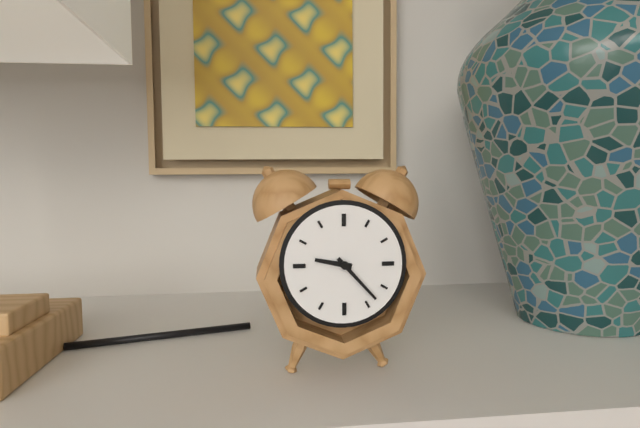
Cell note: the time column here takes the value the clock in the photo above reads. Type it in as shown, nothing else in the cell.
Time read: 9:23
